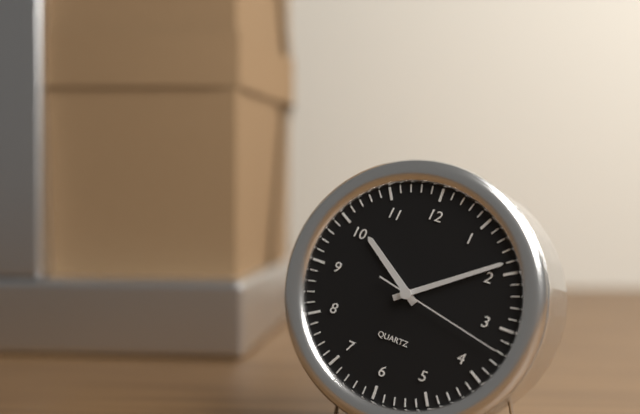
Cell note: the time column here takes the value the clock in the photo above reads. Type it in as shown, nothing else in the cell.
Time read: 10:09:17
